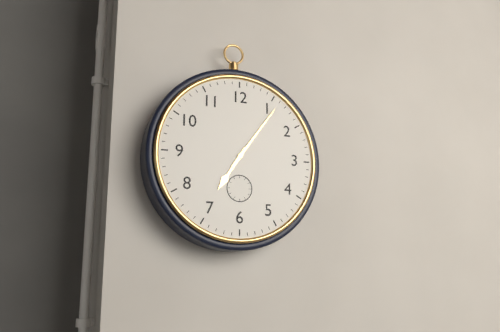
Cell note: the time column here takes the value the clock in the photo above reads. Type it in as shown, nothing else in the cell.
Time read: 7:06
